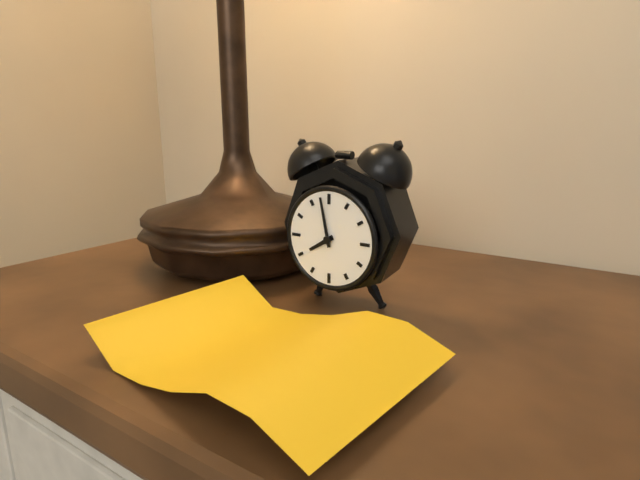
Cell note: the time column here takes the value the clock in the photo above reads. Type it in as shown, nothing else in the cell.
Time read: 7:58
